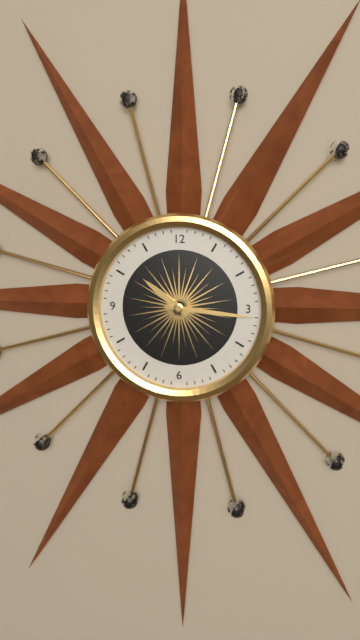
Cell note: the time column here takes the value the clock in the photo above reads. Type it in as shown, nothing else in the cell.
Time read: 10:16
